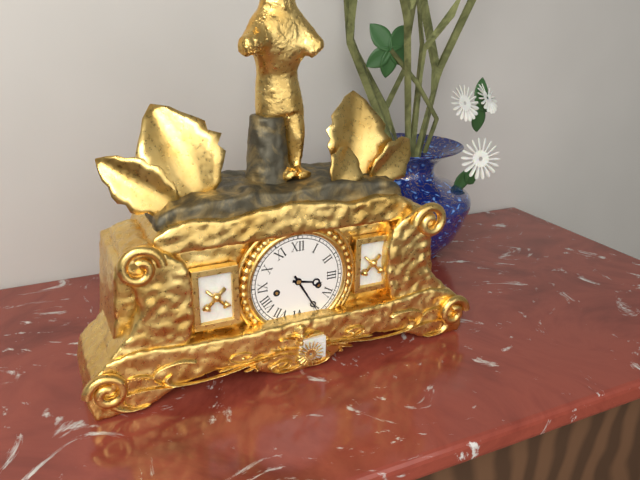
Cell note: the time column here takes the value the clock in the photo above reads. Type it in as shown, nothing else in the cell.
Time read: 3:25
